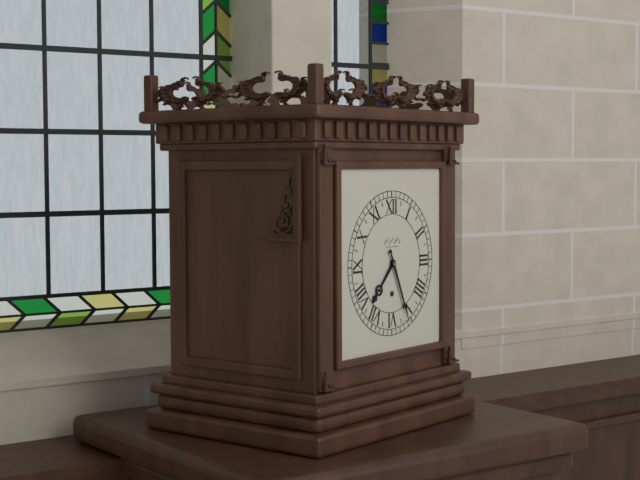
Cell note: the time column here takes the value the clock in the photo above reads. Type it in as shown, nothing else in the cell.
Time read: 7:26
